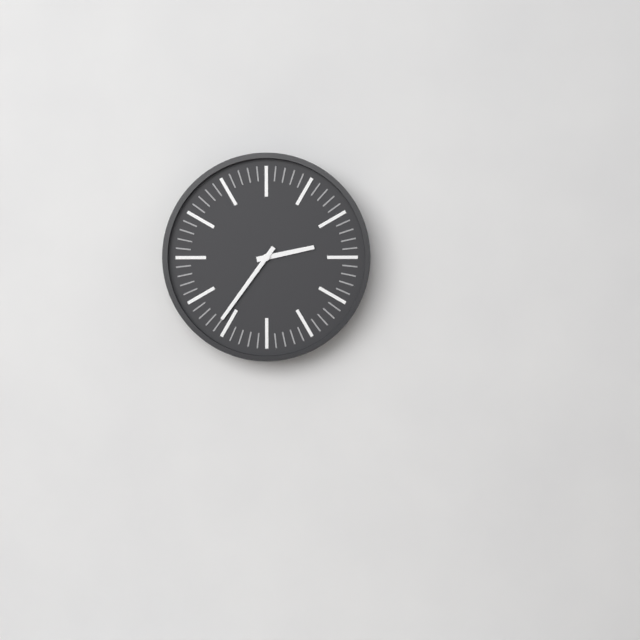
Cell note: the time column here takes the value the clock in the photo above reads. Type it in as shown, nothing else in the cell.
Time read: 2:36
